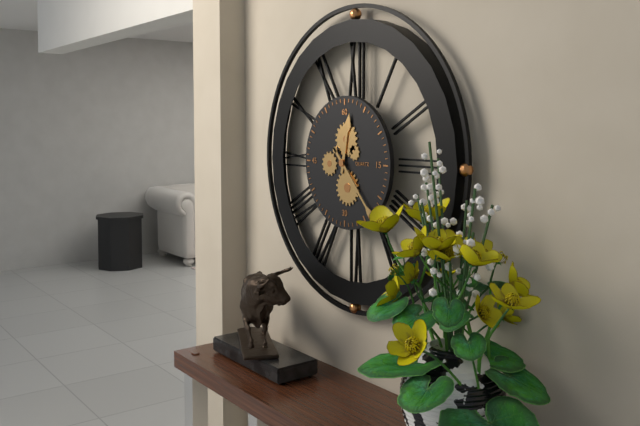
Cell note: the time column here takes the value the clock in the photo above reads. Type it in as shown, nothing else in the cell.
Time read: 12:23
